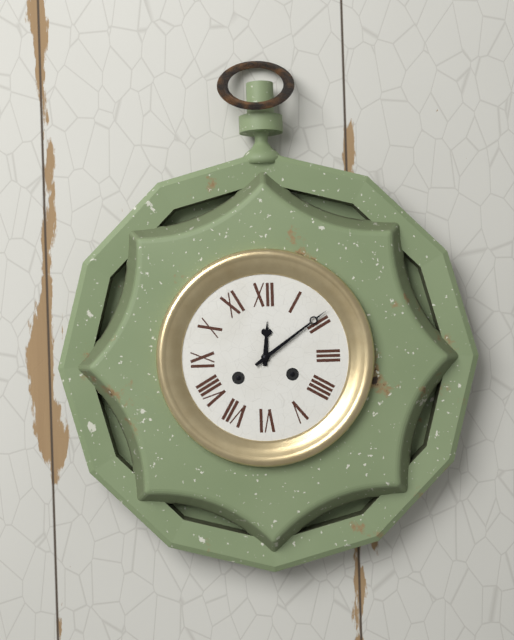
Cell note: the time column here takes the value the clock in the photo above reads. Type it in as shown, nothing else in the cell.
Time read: 12:09
